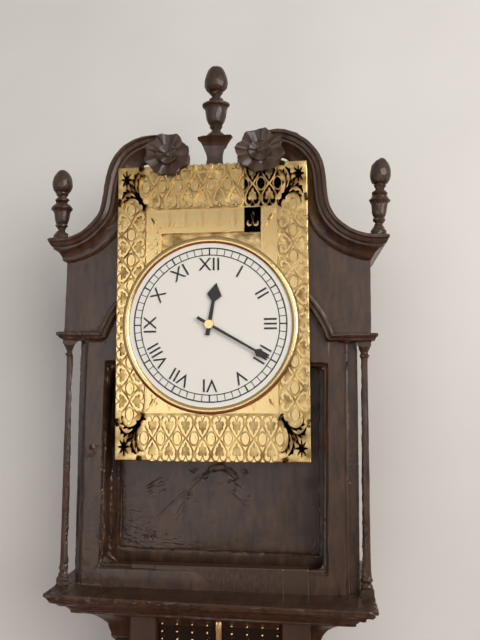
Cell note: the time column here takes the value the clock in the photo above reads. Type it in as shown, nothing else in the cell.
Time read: 12:20
